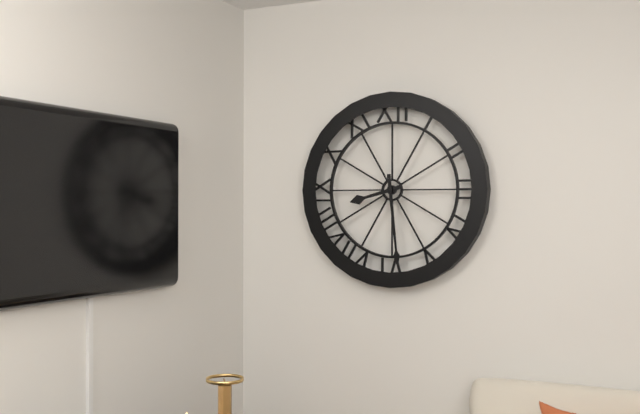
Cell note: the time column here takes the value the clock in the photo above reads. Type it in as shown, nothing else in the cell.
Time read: 8:29
